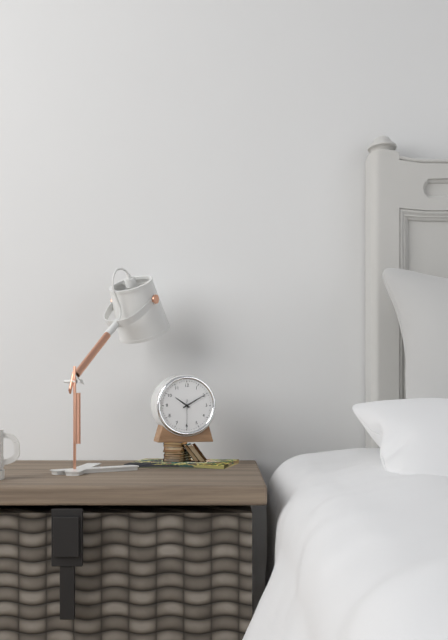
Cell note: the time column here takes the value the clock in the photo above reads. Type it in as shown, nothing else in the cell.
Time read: 10:10
